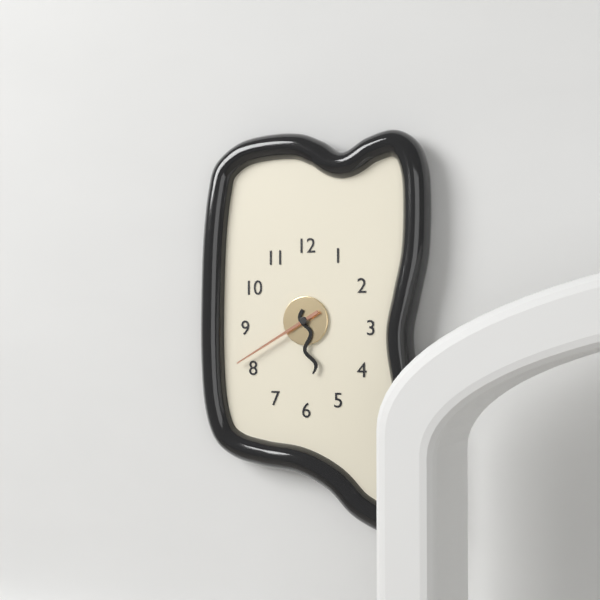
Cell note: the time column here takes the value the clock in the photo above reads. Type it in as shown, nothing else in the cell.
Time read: 5:40
